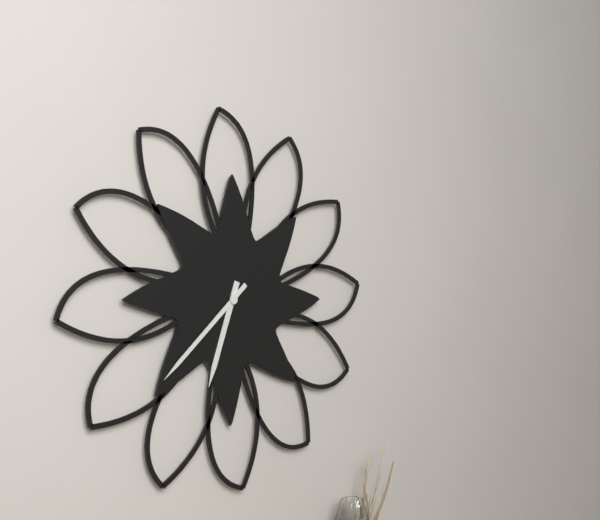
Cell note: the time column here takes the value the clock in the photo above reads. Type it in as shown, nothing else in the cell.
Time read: 6:38
